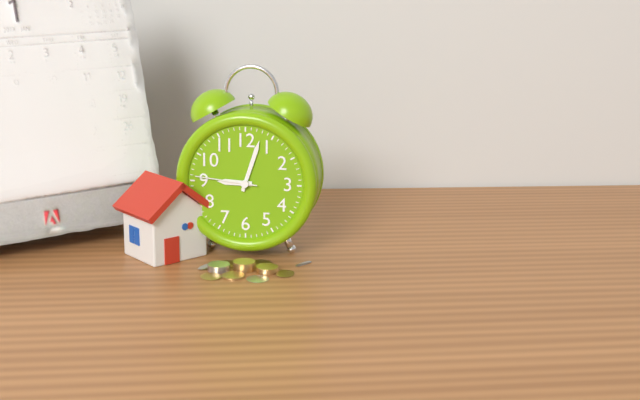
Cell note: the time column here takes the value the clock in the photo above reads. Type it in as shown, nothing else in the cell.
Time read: 9:03:46
